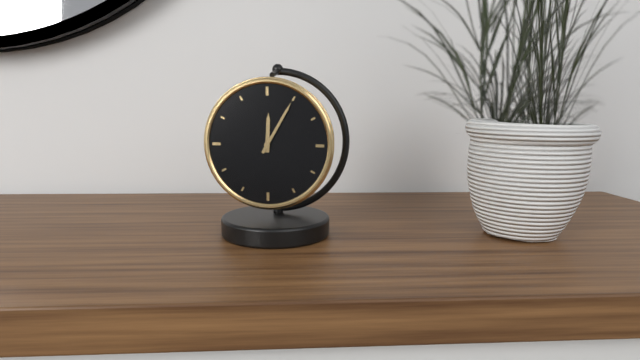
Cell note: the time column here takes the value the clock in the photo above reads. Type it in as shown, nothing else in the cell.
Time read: 12:05
